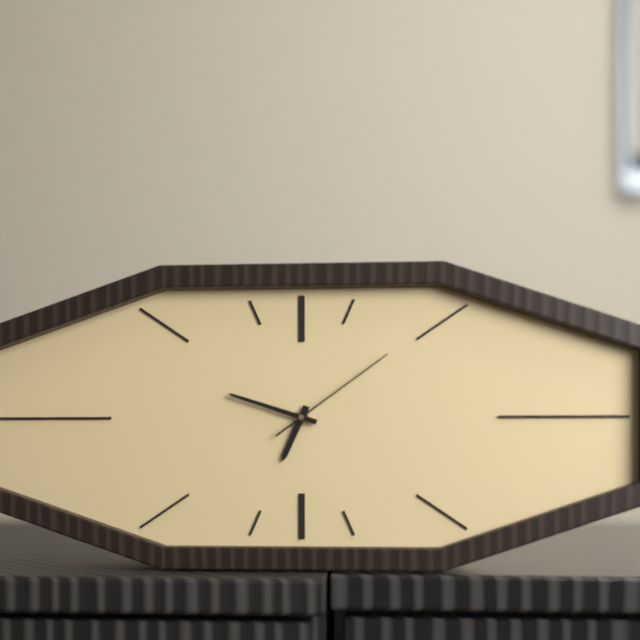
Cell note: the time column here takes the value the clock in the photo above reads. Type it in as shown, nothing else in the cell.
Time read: 6:48:09
